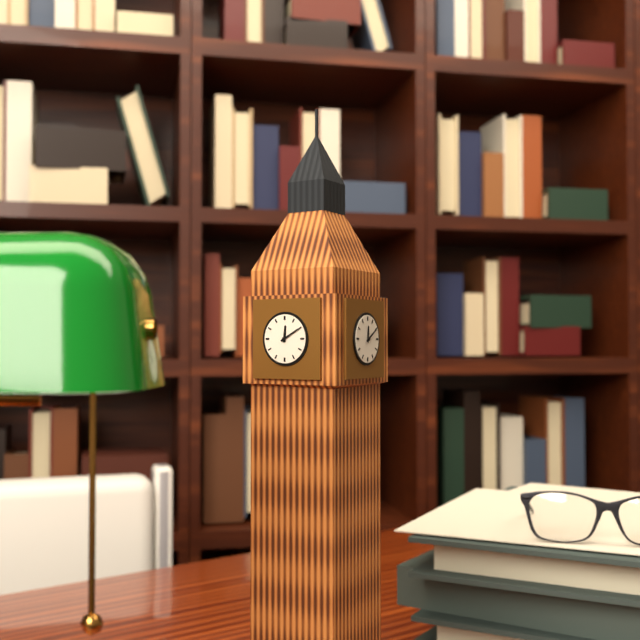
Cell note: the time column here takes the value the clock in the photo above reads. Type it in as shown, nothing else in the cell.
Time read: 12:10
